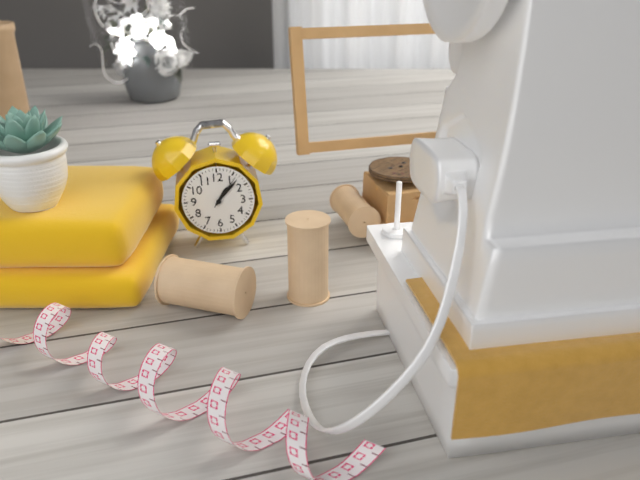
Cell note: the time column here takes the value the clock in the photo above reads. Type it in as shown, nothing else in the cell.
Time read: 1:07
